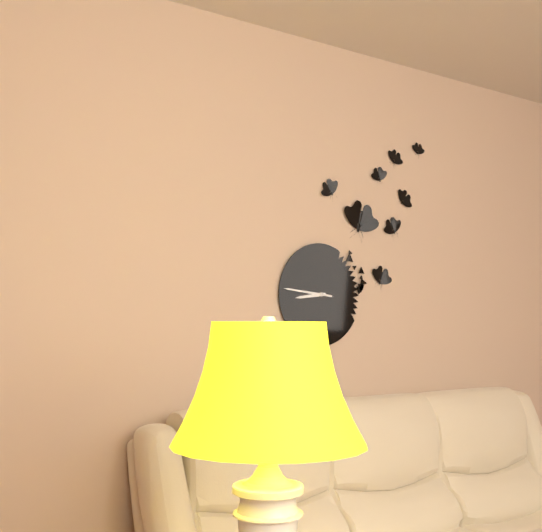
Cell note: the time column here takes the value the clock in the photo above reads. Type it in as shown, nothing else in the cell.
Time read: 8:46
